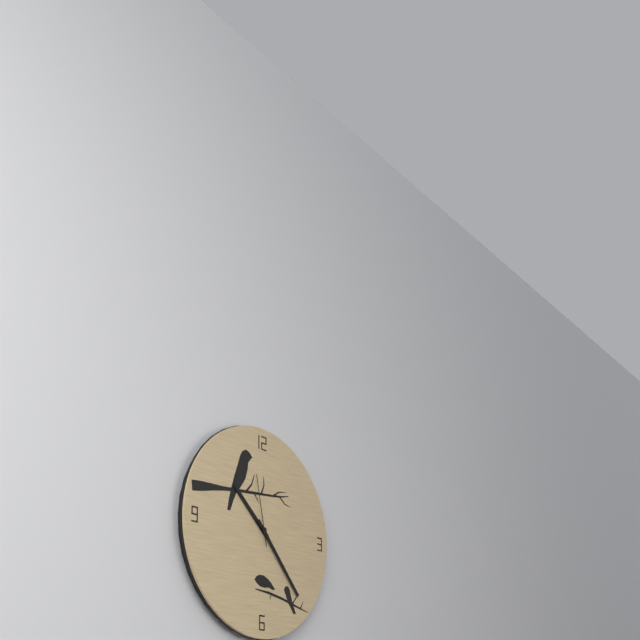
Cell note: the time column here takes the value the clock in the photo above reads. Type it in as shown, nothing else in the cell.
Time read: 10:23:58
